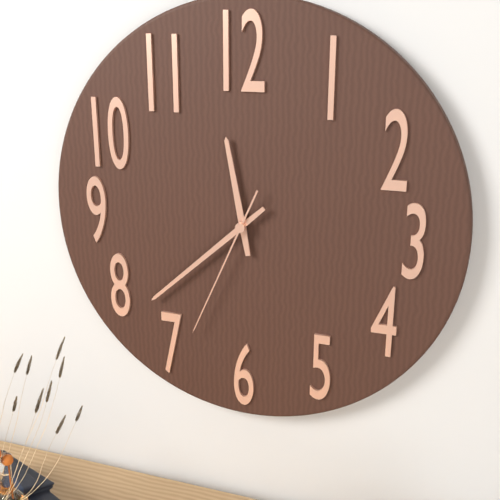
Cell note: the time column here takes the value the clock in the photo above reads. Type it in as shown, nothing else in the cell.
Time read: 11:38:34
